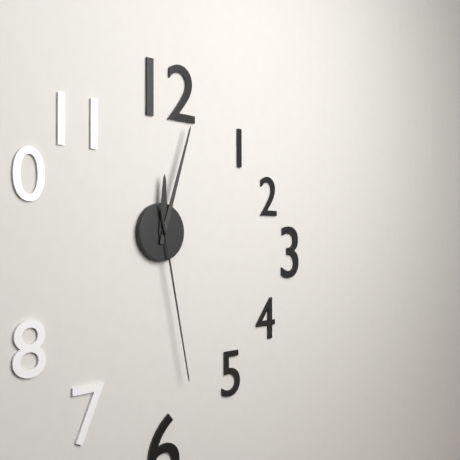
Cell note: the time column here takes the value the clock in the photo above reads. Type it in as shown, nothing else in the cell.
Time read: 12:03:28
